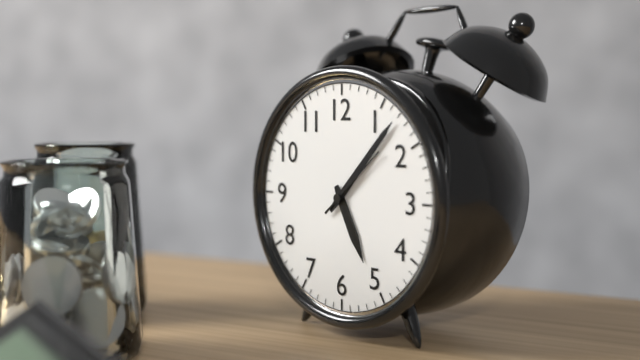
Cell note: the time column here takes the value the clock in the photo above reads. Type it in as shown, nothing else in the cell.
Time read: 5:07:08
